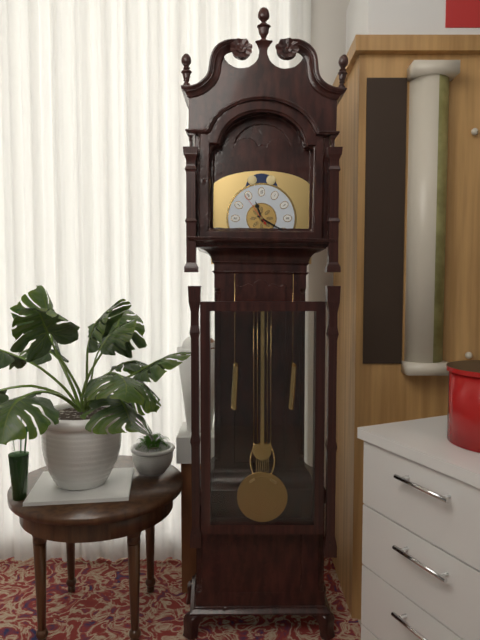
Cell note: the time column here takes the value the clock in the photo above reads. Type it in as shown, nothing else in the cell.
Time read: 11:20
